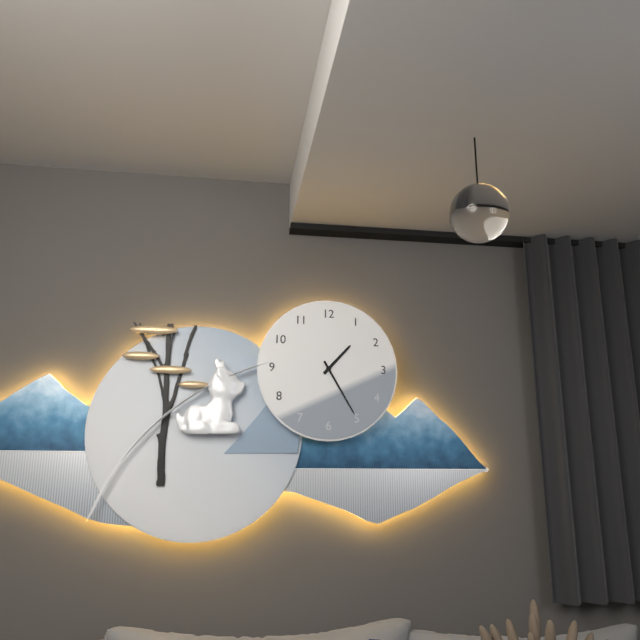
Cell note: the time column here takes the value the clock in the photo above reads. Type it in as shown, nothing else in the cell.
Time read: 1:25
